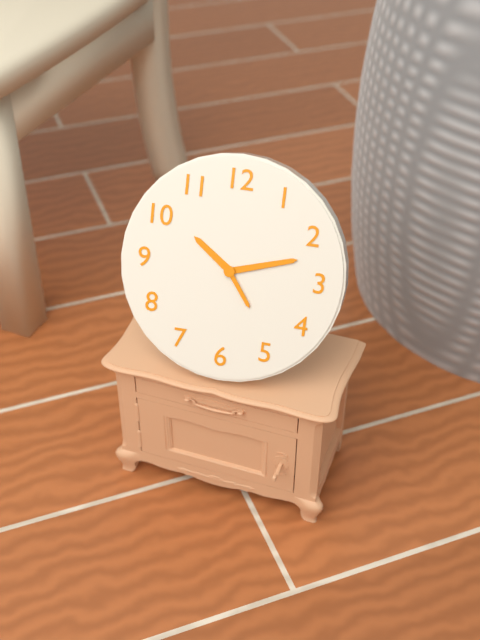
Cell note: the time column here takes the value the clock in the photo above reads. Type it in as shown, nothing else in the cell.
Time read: 10:12:24
